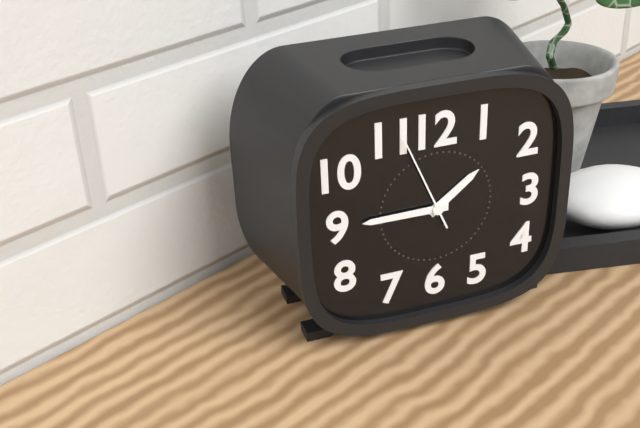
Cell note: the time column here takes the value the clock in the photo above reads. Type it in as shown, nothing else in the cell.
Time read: 1:45:56
